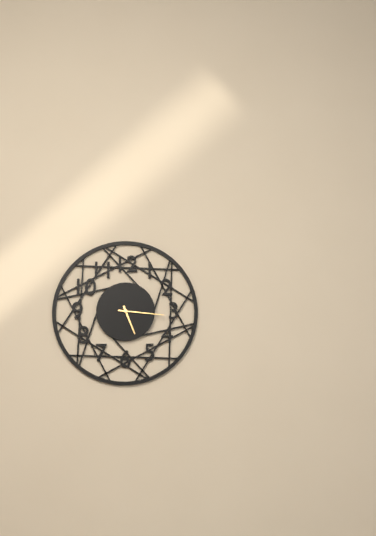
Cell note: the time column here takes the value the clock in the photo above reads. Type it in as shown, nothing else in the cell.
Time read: 5:16
